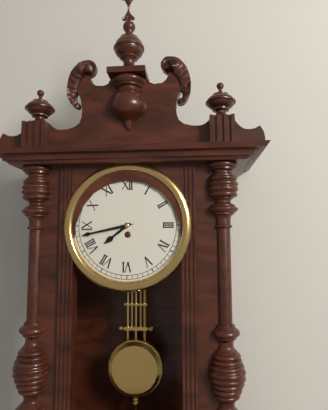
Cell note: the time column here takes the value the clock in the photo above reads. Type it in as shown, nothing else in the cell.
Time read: 7:43
